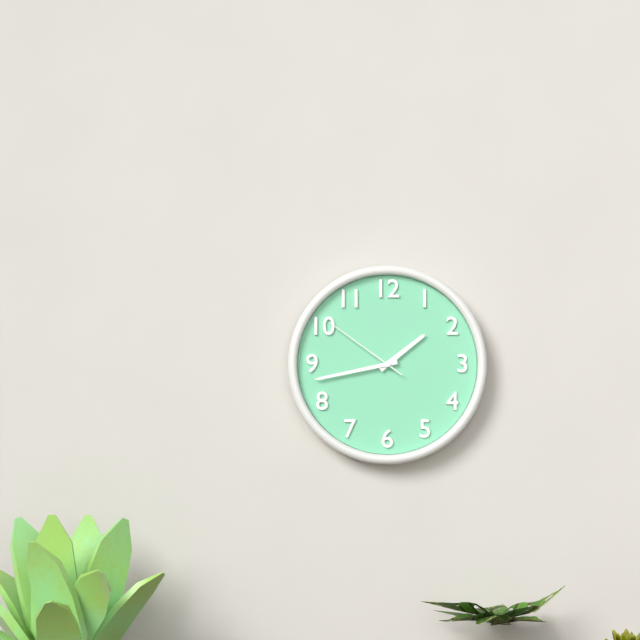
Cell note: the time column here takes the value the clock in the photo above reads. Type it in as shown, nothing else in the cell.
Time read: 1:43:51
